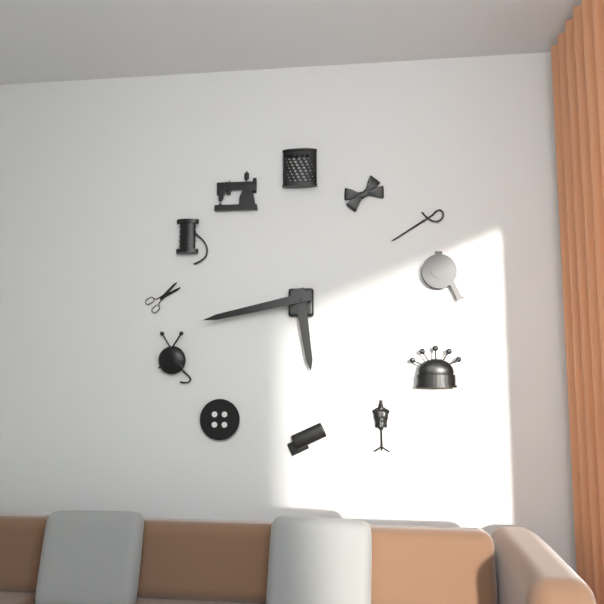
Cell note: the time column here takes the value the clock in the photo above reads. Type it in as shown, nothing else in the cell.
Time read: 5:43
